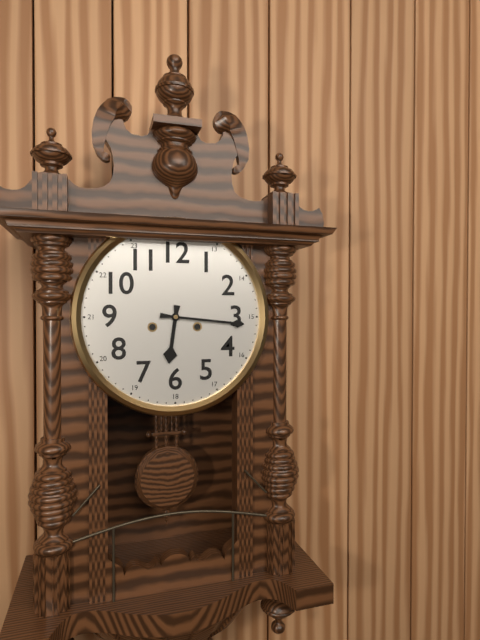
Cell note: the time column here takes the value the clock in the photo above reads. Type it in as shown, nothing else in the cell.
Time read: 6:16
